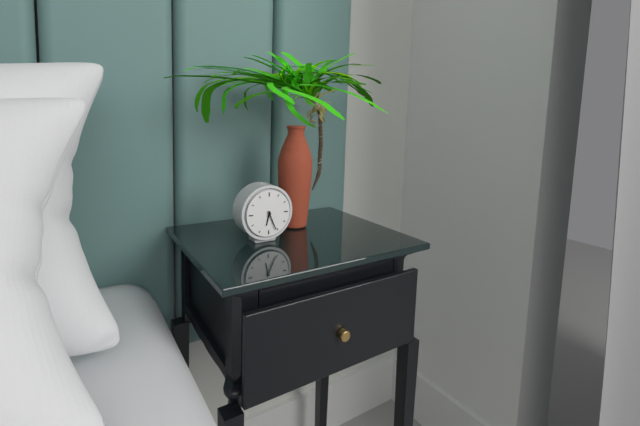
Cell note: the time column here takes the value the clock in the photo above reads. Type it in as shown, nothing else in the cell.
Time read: 6:26
